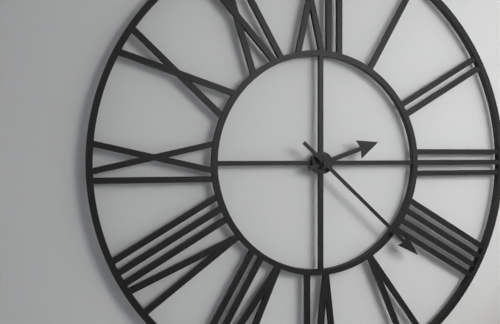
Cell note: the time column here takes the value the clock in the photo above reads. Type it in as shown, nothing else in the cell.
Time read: 2:22
